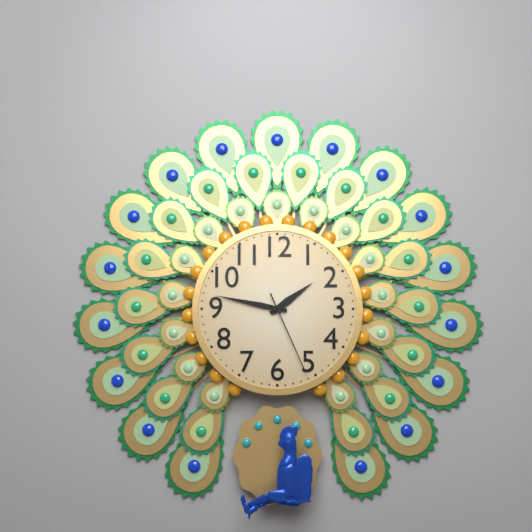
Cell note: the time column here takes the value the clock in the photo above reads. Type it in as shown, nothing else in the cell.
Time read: 1:47:26
